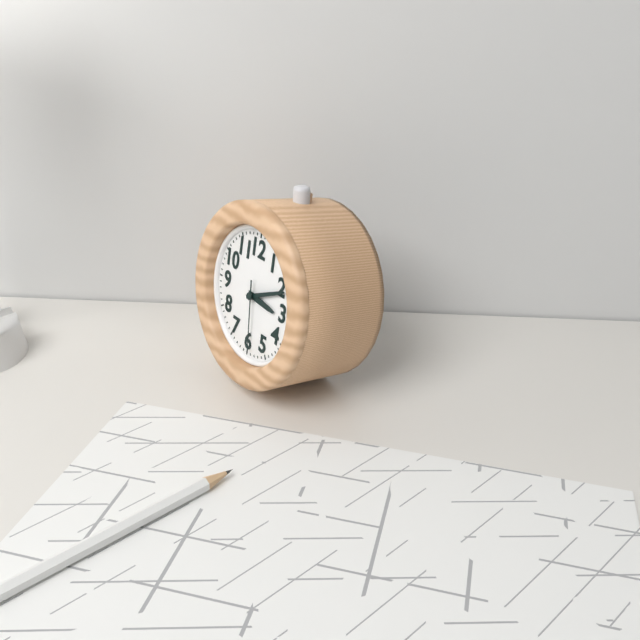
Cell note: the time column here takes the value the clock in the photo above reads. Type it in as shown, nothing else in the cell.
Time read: 3:11:29
